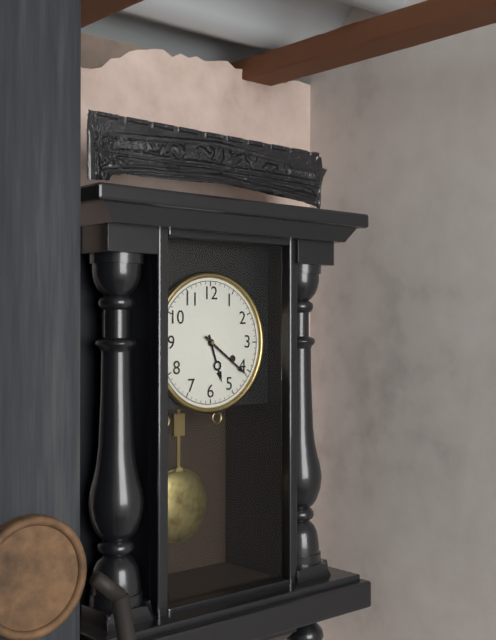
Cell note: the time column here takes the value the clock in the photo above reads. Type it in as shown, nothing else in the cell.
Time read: 5:21
